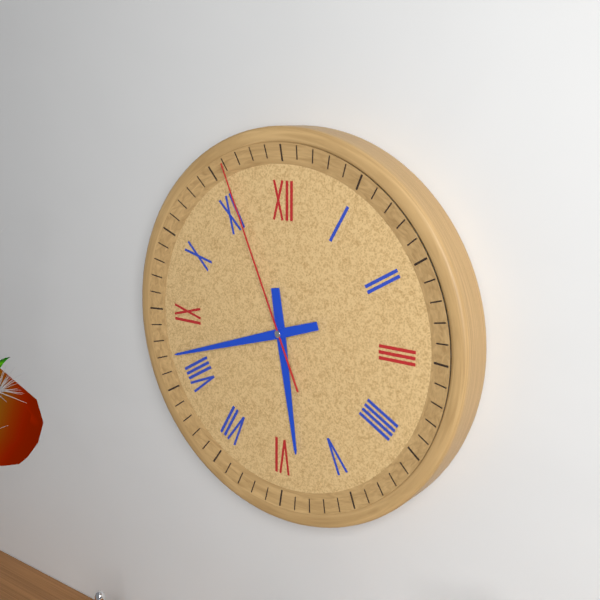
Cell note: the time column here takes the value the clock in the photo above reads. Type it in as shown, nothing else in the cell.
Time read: 5:42:56
